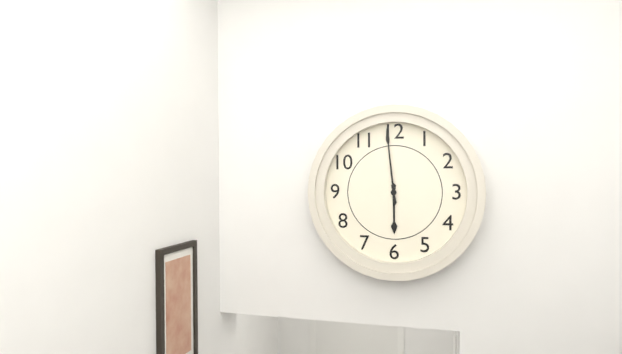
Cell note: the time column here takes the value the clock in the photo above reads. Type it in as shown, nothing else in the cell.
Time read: 5:59
